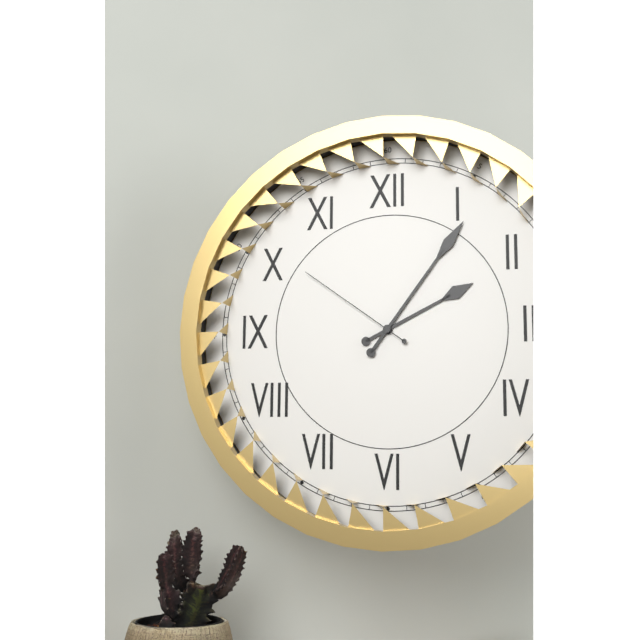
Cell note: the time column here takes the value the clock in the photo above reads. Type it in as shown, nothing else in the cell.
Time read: 2:06:51
